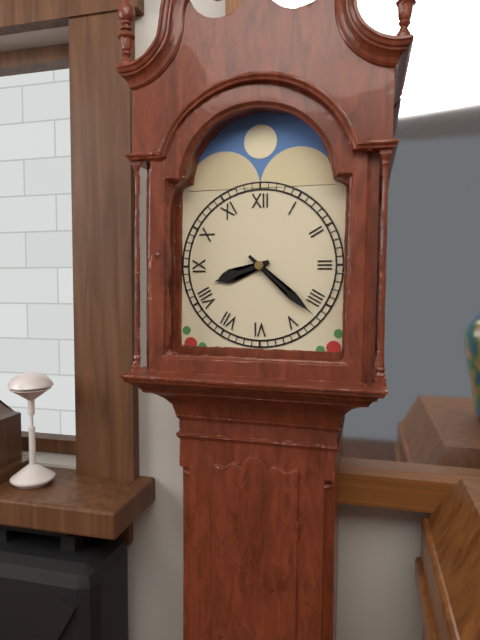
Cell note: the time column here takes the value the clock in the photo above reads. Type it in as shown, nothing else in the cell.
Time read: 8:22
